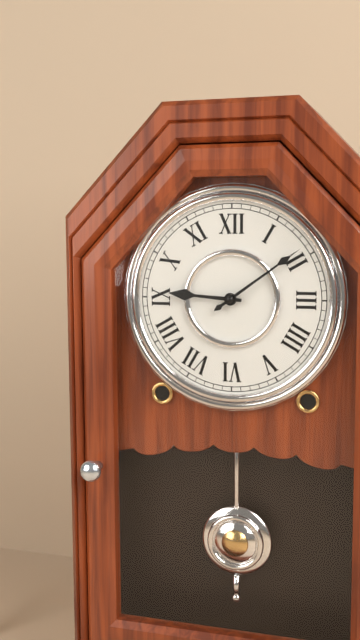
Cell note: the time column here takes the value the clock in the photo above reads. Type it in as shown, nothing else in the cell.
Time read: 9:09
